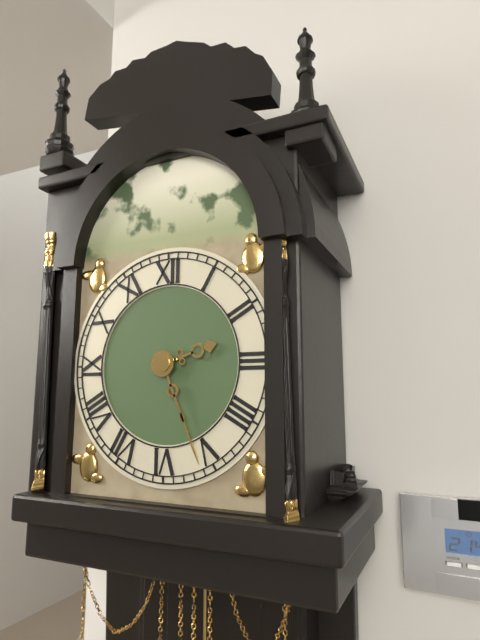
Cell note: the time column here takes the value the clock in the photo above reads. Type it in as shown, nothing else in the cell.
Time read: 2:26
